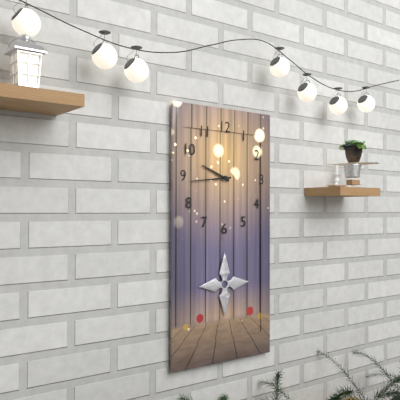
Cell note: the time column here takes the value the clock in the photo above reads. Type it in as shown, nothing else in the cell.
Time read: 9:44
